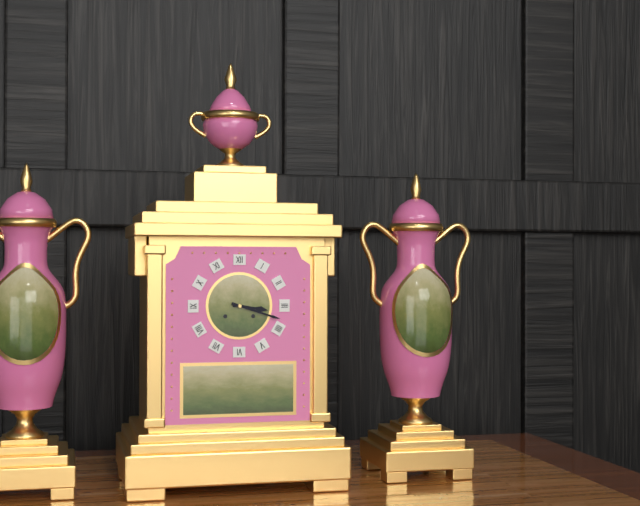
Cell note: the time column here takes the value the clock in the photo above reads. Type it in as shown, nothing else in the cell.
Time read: 3:18
